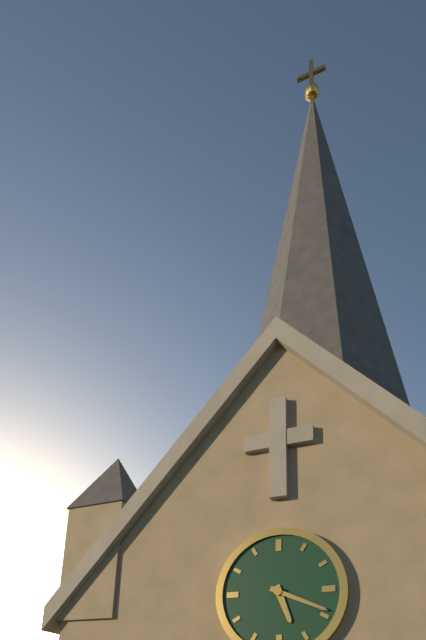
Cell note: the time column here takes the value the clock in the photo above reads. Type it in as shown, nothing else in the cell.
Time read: 5:19
